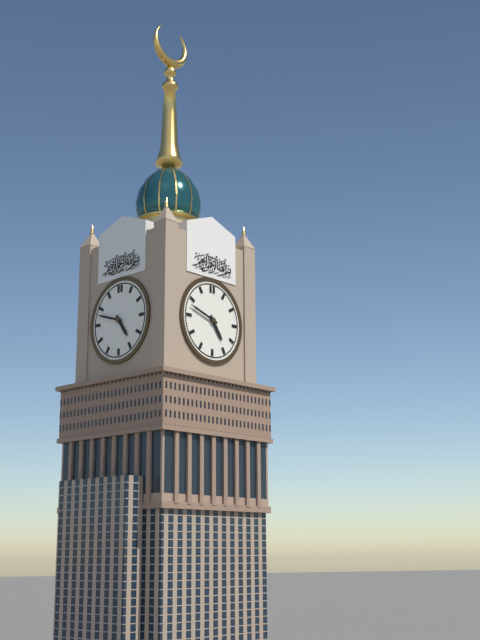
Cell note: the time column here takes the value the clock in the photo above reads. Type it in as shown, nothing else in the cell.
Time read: 4:48
